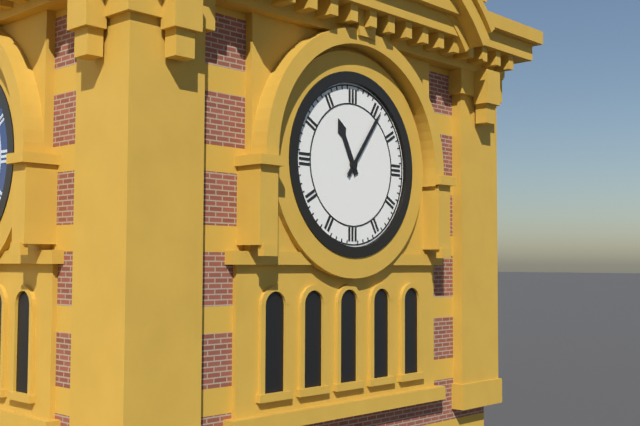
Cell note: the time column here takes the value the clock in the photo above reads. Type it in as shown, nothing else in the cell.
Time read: 11:06
